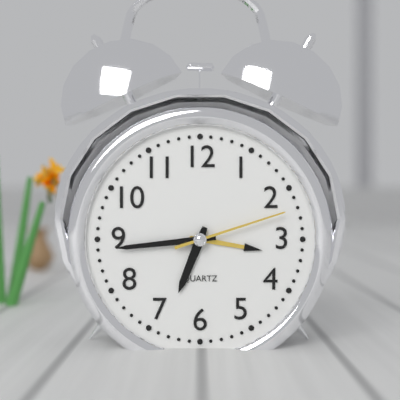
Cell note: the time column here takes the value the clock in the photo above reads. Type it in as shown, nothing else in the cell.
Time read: 6:44:12
